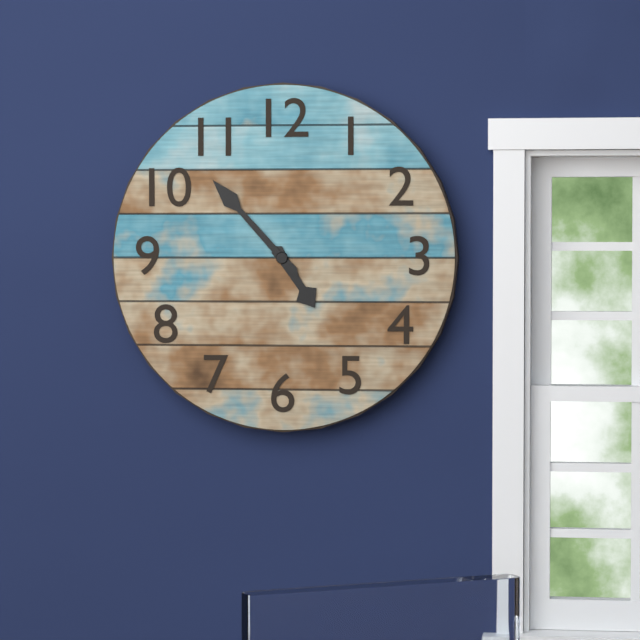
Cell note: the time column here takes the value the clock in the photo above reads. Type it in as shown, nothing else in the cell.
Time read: 4:53
